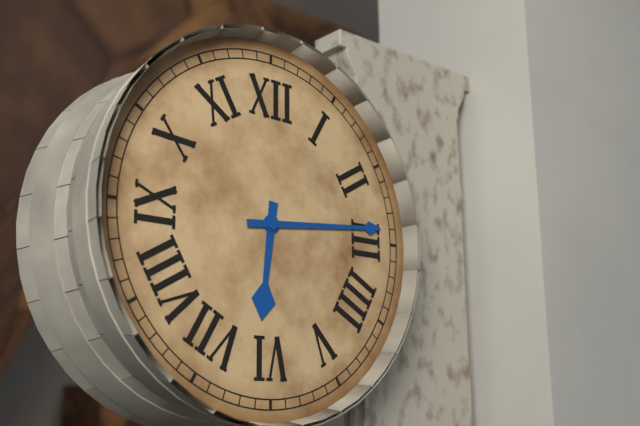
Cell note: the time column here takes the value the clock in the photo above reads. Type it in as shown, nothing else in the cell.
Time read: 6:14
